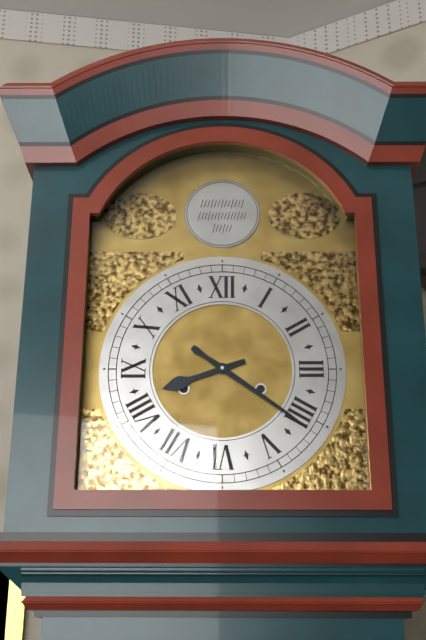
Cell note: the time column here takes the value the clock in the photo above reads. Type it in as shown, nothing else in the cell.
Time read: 8:21
